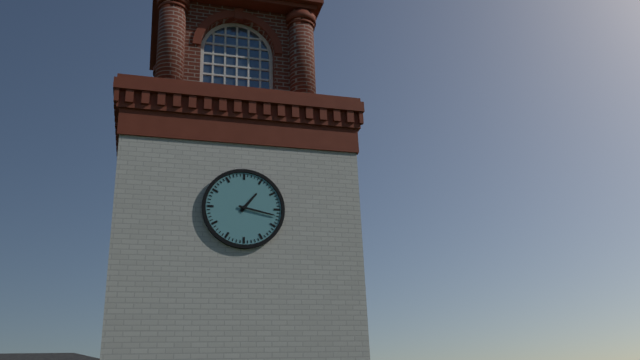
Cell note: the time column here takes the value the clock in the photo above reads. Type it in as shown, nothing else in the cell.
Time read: 1:17
